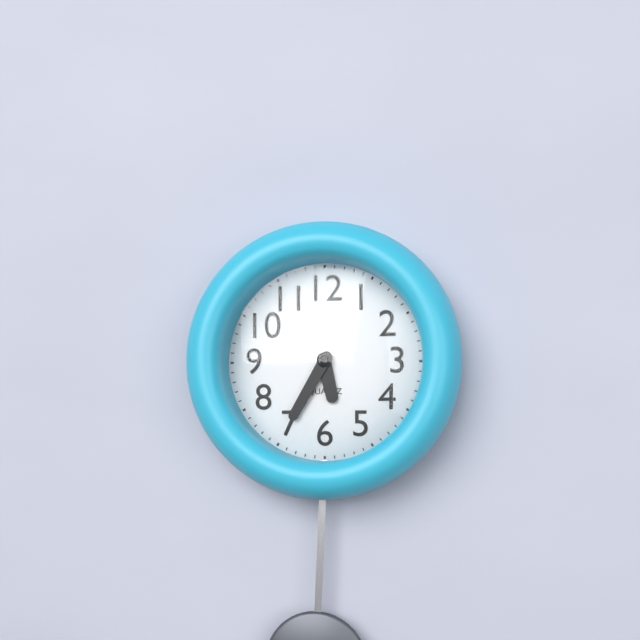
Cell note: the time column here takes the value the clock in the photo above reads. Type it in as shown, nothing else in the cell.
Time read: 5:35
